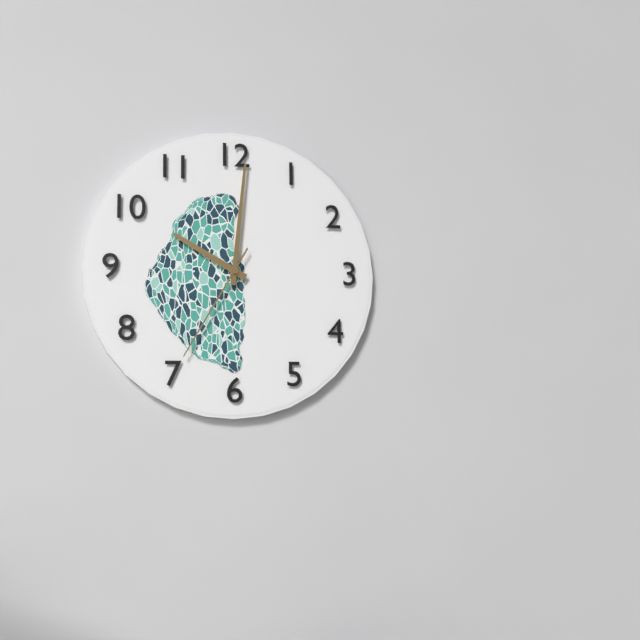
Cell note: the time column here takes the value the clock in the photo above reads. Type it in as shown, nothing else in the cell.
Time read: 10:01:35
